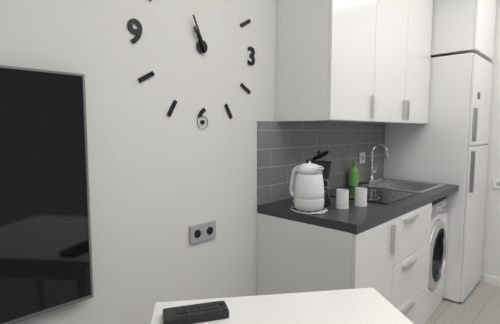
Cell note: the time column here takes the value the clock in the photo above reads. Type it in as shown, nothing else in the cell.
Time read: 10:56
